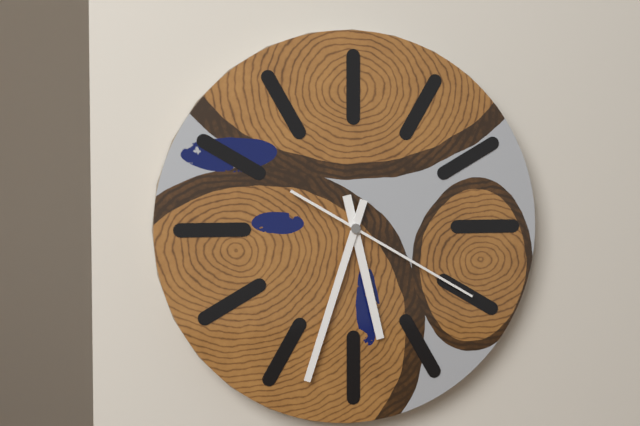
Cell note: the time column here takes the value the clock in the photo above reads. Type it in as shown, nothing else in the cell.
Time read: 5:33:20
